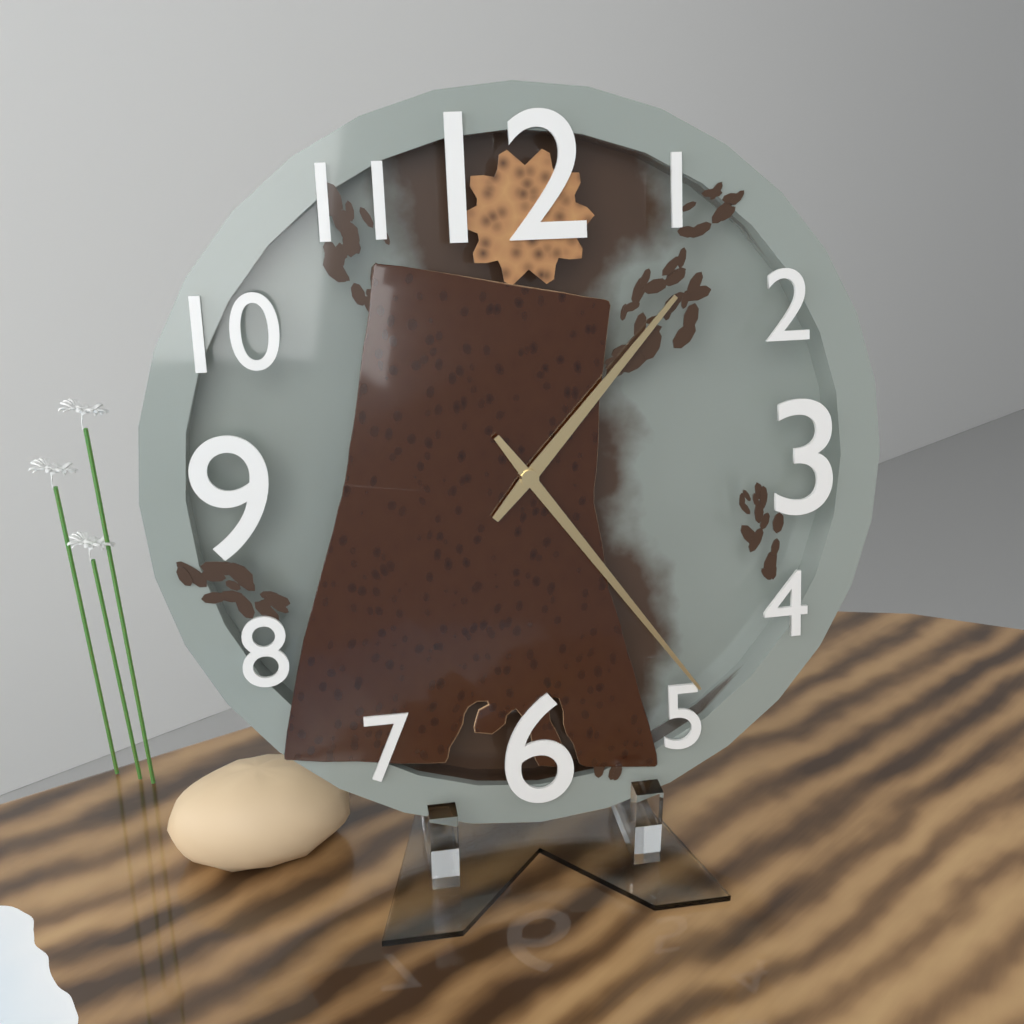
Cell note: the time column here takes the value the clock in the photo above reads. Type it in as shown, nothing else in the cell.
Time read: 1:24
